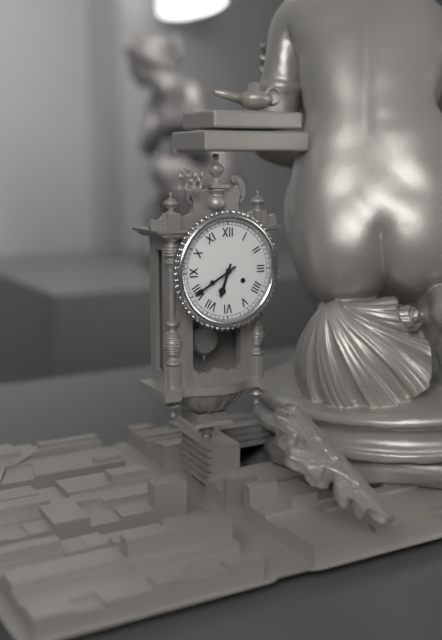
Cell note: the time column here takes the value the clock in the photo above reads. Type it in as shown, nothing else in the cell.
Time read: 6:40
